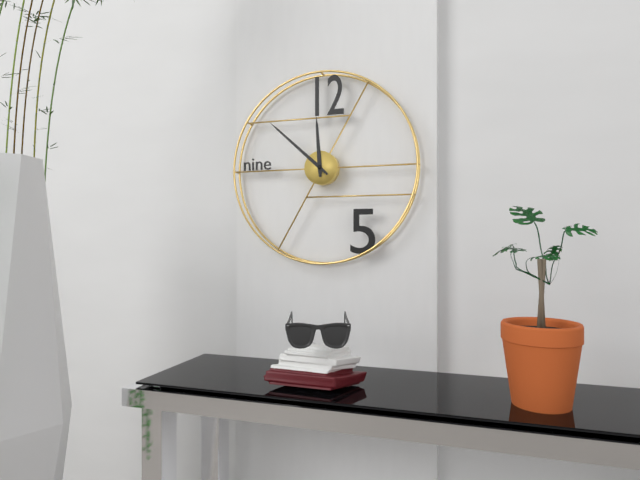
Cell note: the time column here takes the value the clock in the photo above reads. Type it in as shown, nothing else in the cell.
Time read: 11:52
